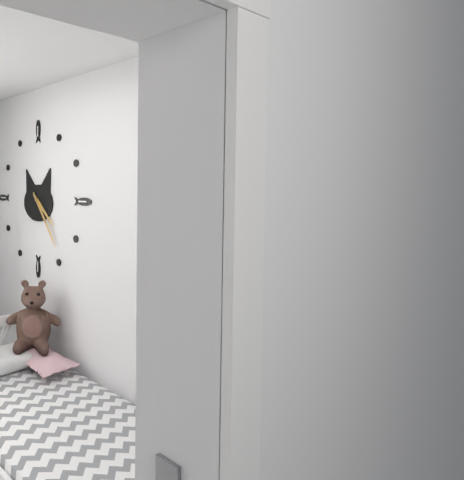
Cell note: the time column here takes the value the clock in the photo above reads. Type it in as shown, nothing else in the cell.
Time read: 4:24
